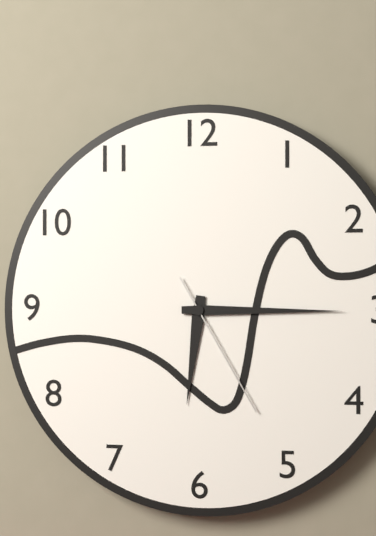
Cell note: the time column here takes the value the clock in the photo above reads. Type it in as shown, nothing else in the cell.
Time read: 6:15:25
